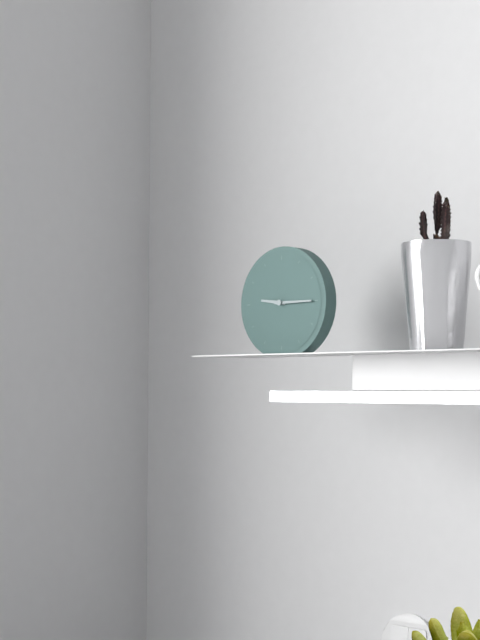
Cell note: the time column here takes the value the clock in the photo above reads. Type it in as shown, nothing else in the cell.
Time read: 9:15
